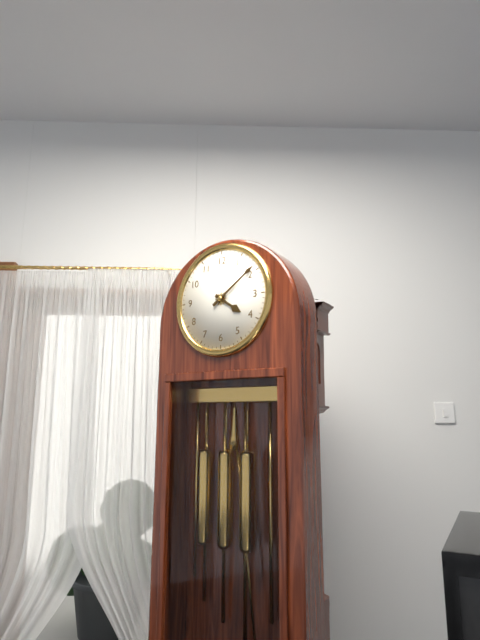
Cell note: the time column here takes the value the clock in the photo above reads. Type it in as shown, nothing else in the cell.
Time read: 4:09
